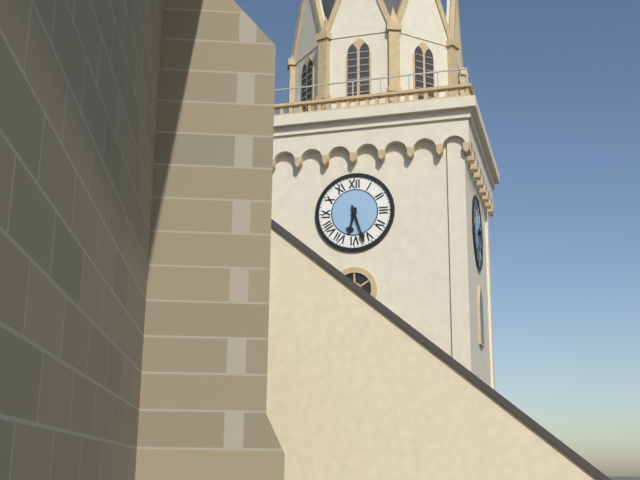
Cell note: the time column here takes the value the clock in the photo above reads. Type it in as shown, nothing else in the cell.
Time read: 6:27
